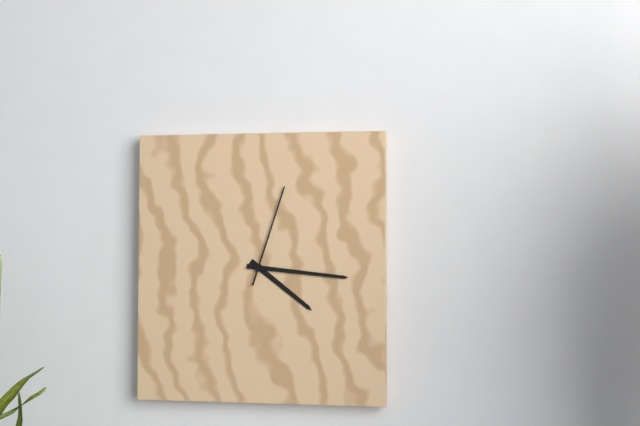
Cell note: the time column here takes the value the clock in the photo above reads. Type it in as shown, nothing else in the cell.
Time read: 4:16:03
